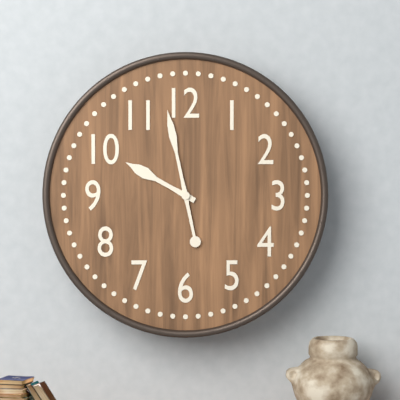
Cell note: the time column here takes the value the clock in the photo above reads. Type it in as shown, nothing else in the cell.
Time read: 9:58
